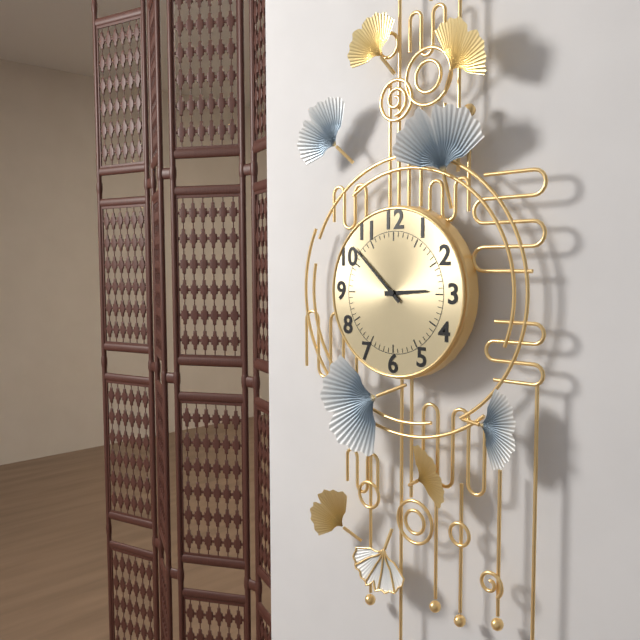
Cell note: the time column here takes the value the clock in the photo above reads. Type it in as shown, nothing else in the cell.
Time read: 2:52
